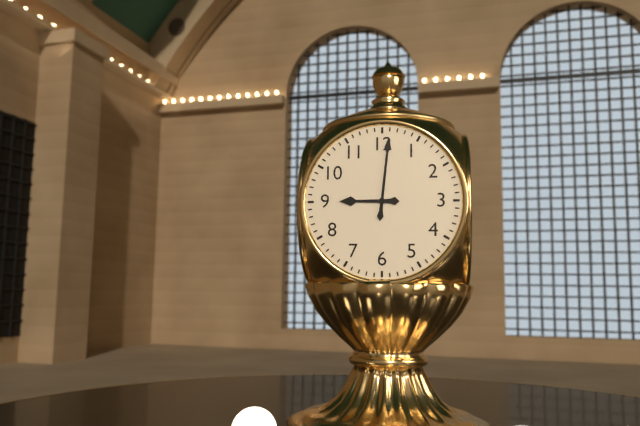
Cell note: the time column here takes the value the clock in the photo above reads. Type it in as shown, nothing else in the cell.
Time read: 9:01
